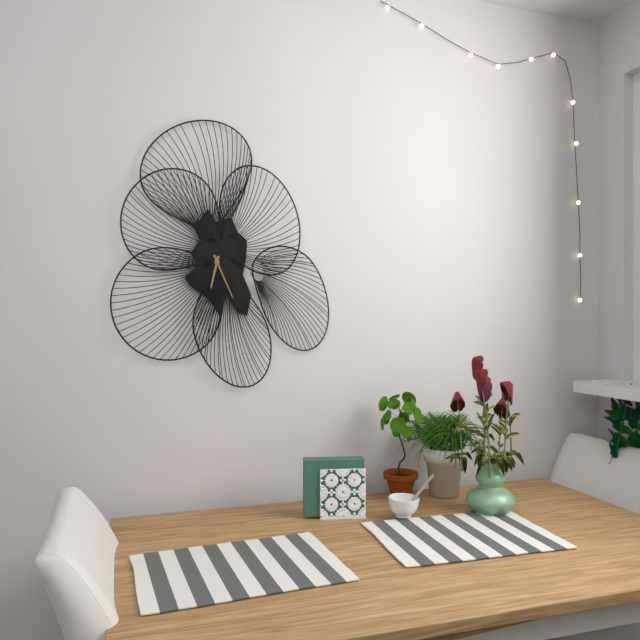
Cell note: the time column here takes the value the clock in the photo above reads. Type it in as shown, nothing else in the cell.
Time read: 6:26
